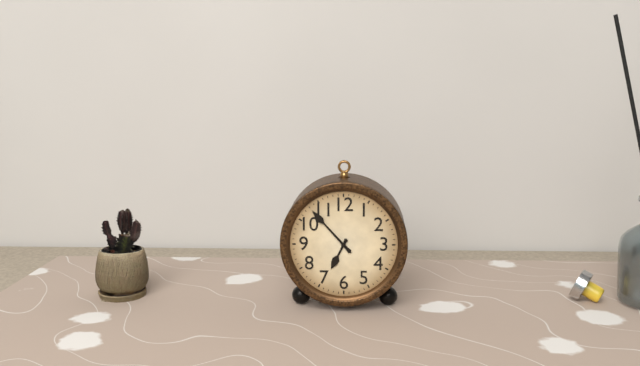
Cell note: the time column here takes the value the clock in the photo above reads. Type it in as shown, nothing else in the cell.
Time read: 6:53
